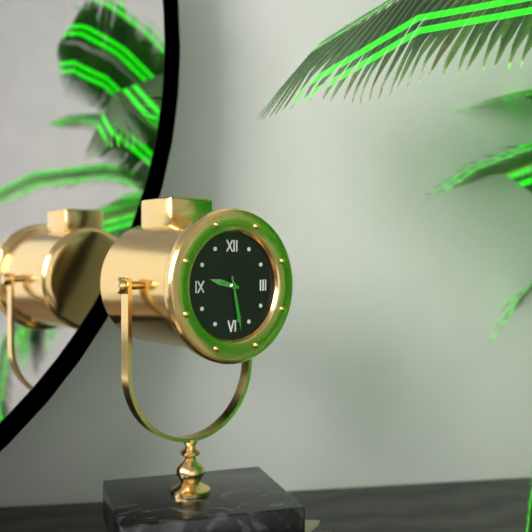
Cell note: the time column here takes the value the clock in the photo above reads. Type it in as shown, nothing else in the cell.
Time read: 9:28
